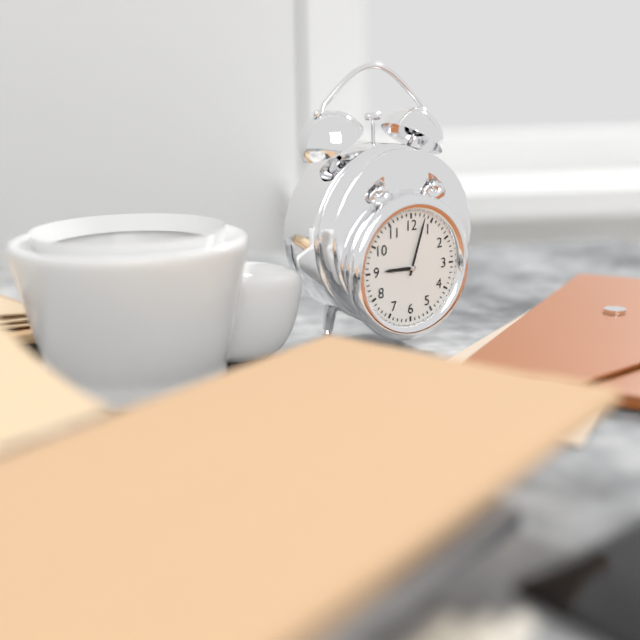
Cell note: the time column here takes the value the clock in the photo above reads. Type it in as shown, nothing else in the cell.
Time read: 9:03
